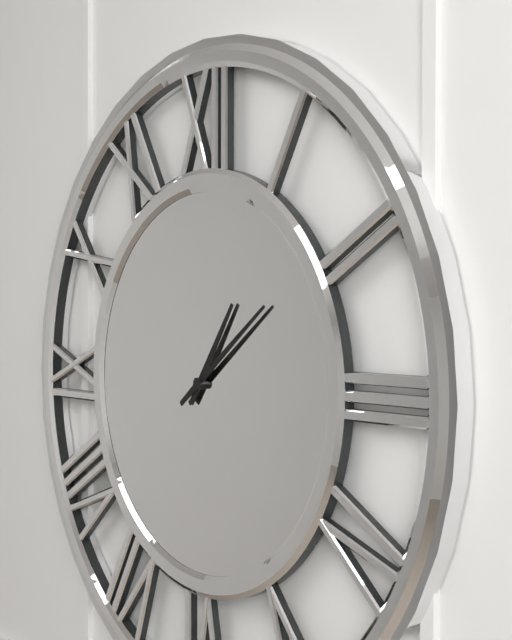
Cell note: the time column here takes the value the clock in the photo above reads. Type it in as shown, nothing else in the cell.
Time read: 1:09
